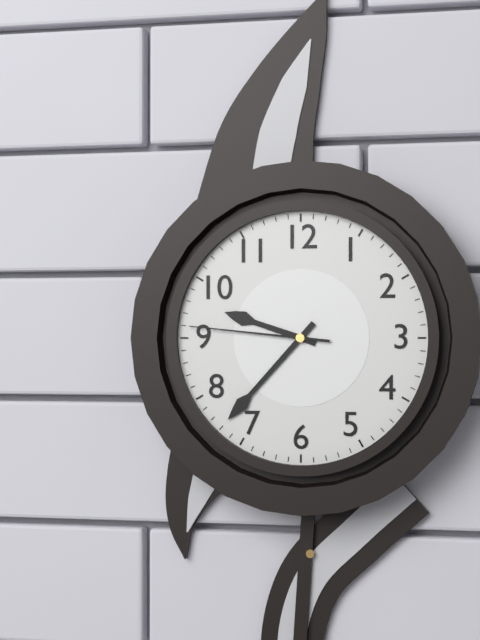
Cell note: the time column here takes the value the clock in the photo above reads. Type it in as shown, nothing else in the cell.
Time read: 9:37:46
